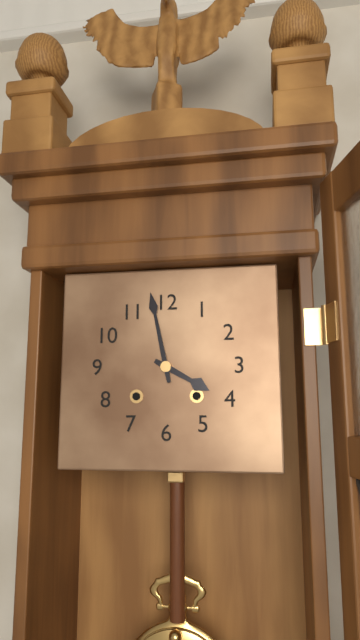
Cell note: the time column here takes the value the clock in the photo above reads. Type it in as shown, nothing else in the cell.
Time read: 3:58
